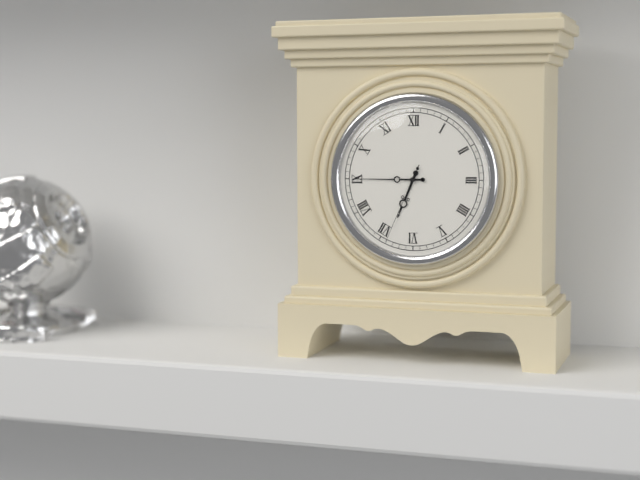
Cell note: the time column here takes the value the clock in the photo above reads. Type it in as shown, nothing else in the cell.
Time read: 6:45:34
